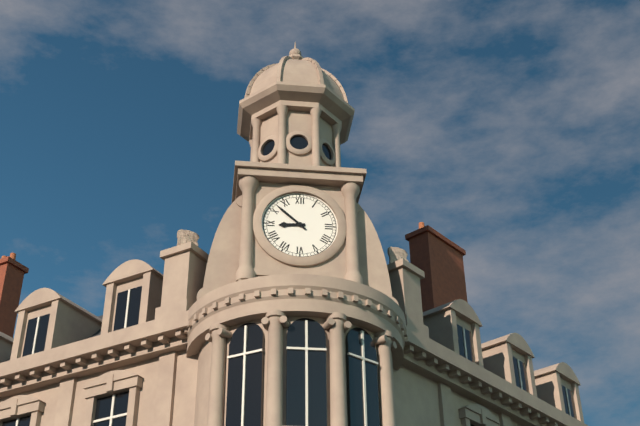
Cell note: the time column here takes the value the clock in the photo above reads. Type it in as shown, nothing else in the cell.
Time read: 8:52
